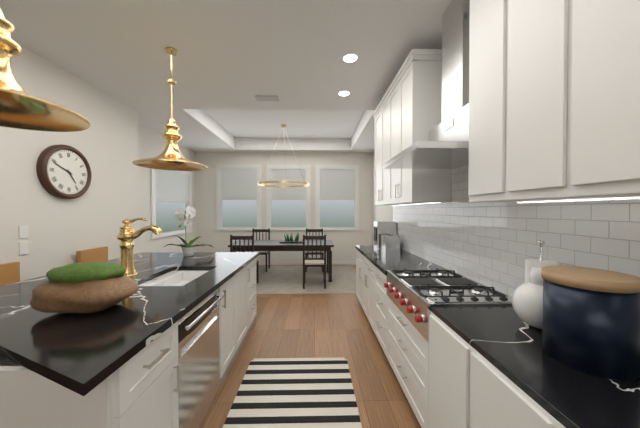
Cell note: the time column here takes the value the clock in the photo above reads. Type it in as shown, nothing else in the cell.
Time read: 4:49
